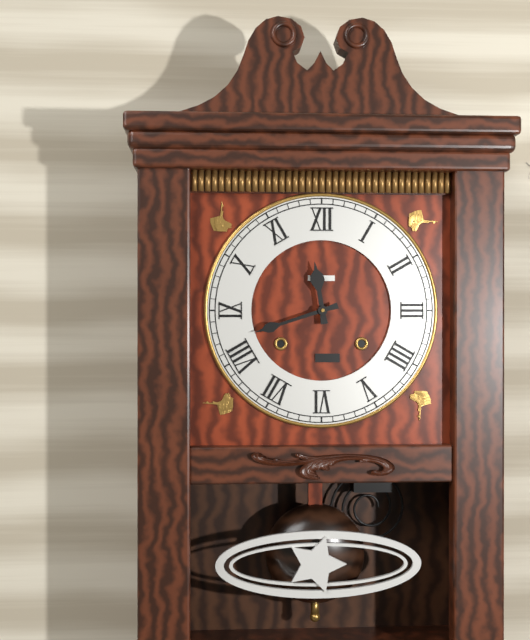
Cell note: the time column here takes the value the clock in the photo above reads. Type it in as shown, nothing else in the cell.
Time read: 11:42
